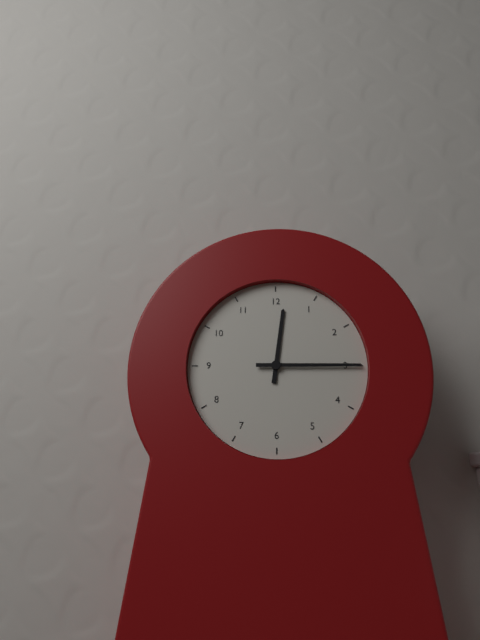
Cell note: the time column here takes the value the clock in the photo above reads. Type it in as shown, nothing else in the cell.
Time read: 12:15
